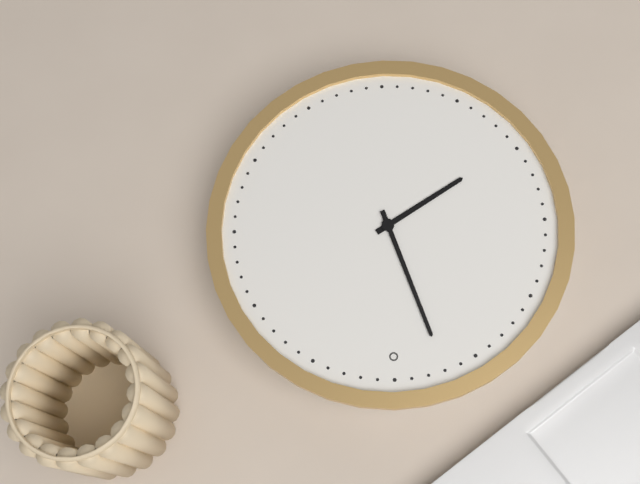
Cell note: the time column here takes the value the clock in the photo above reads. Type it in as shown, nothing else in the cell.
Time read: 7:57
